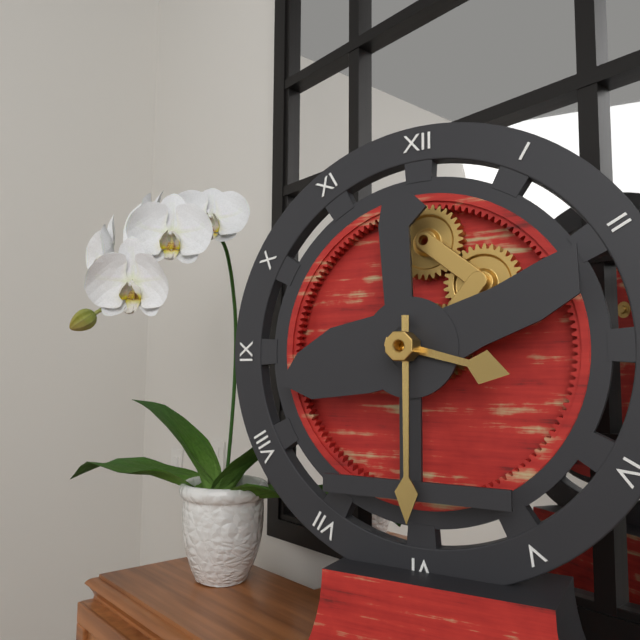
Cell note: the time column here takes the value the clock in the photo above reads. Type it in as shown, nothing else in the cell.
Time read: 3:30
